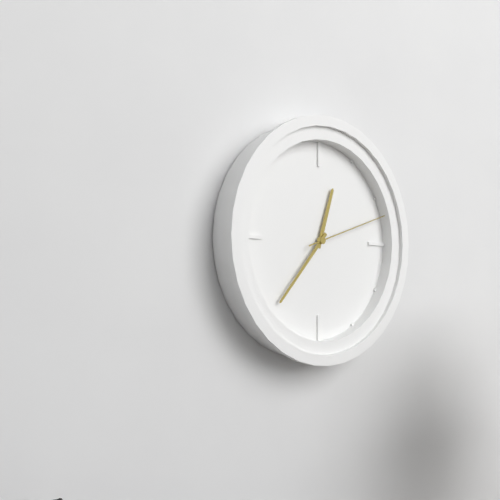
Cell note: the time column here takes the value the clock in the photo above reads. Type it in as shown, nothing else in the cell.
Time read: 12:37:12
